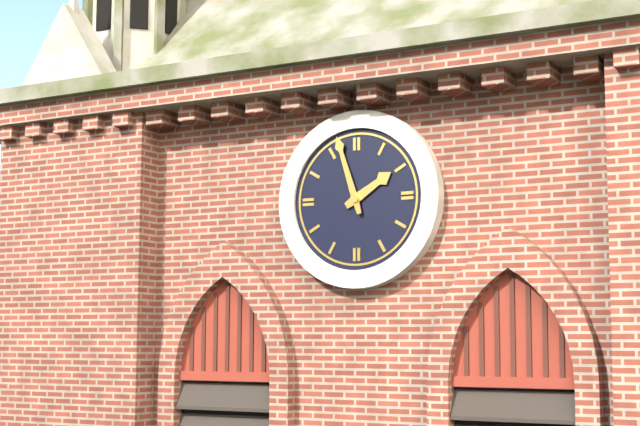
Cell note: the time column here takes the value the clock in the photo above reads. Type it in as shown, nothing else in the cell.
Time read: 1:57
